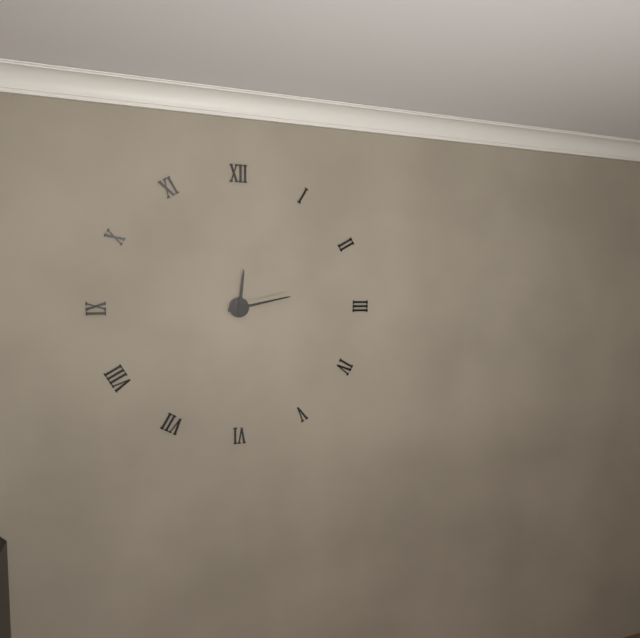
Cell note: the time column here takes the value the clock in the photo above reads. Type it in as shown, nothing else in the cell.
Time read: 12:13
